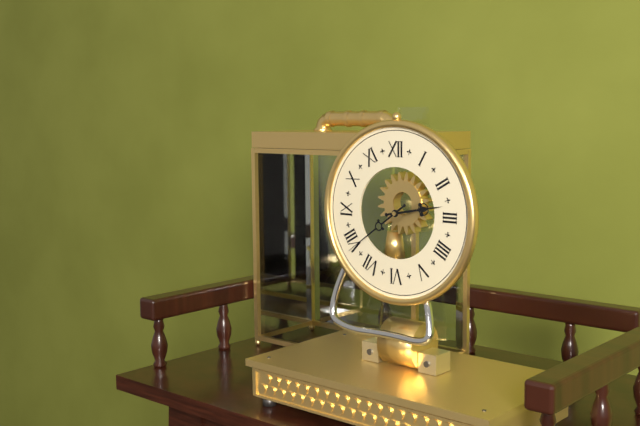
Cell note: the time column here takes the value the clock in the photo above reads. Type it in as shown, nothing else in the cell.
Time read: 2:39
